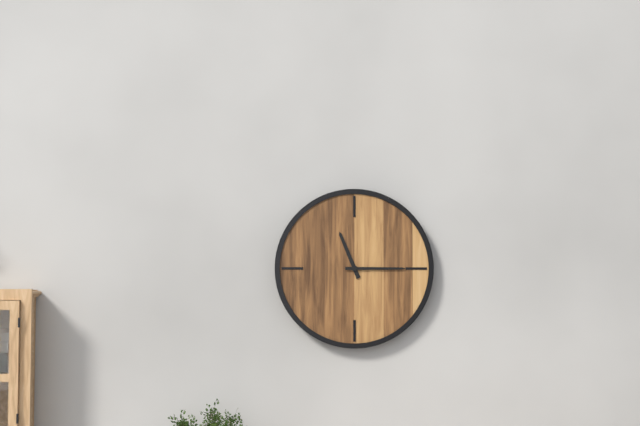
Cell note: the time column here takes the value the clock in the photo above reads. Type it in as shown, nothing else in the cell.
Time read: 11:15
